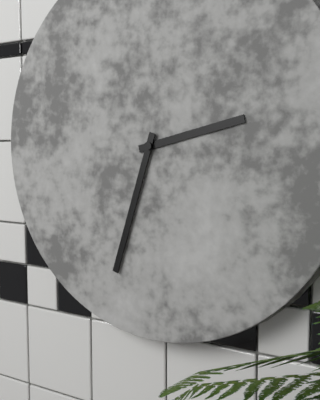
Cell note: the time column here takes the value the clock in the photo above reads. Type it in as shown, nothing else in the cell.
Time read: 2:33
